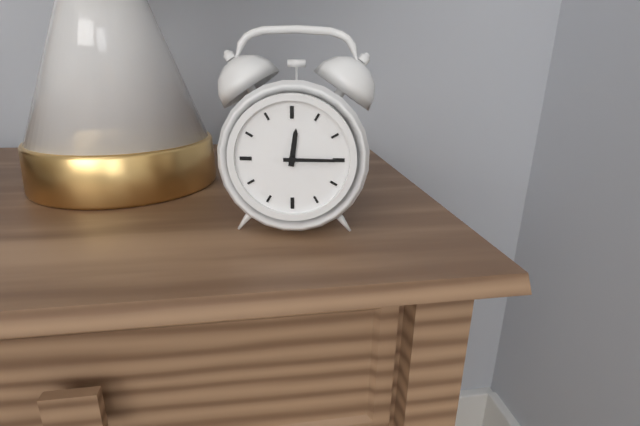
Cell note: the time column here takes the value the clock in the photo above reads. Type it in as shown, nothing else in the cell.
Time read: 12:15
